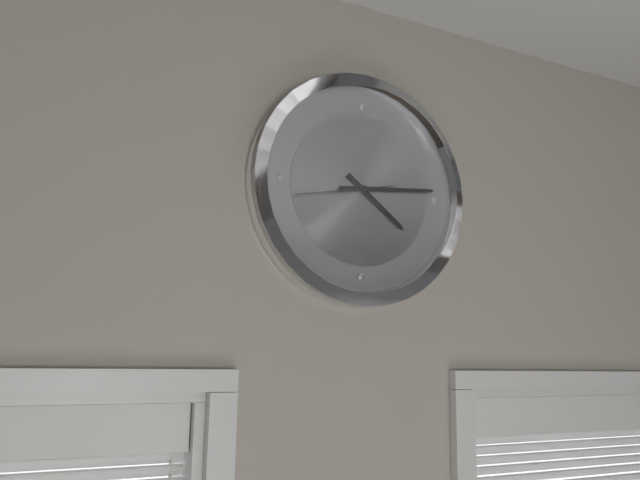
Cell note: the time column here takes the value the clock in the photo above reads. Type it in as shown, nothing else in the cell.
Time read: 4:14:43
